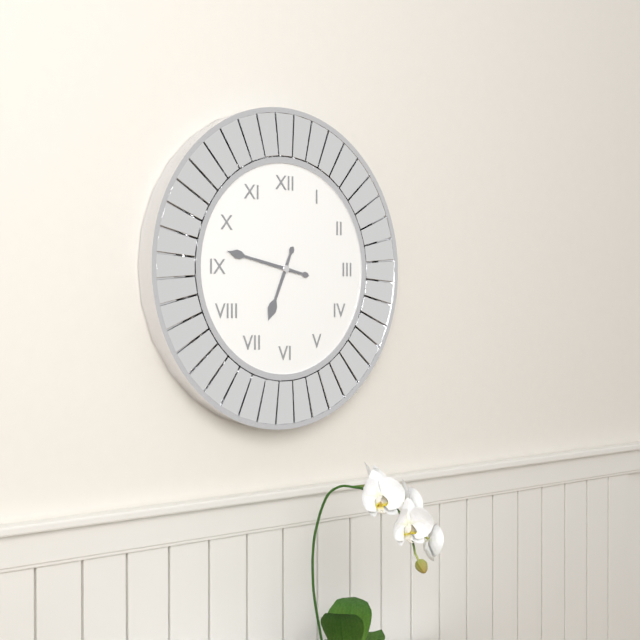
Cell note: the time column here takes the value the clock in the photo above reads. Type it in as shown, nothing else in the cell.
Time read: 6:47
